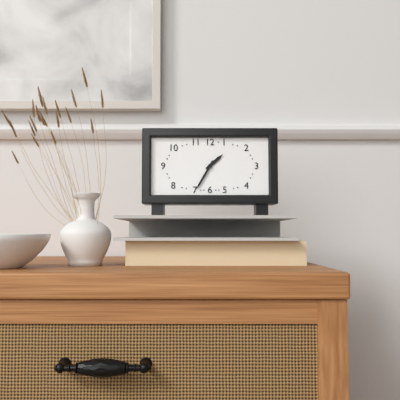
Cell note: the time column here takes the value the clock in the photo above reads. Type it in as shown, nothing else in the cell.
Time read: 1:35
